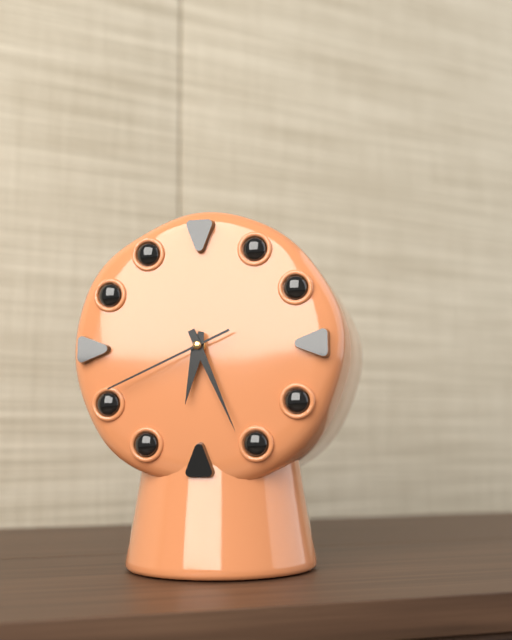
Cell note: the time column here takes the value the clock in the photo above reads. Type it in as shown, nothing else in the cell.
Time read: 6:26:41
